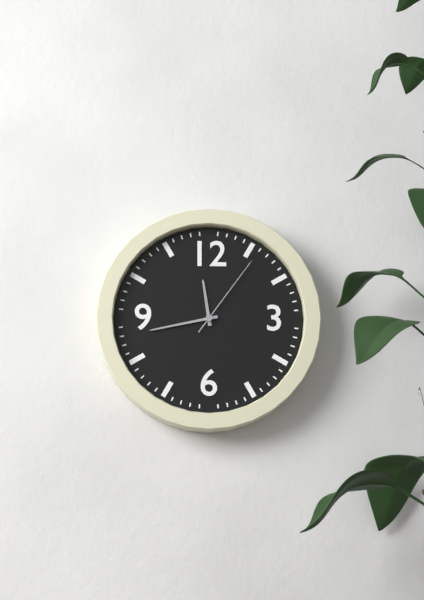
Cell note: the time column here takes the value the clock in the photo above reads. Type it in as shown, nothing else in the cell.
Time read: 11:43:06
